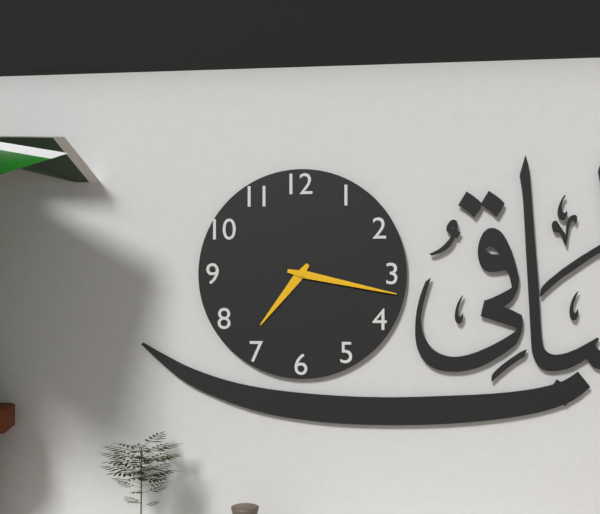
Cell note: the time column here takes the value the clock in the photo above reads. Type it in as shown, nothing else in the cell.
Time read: 7:17
